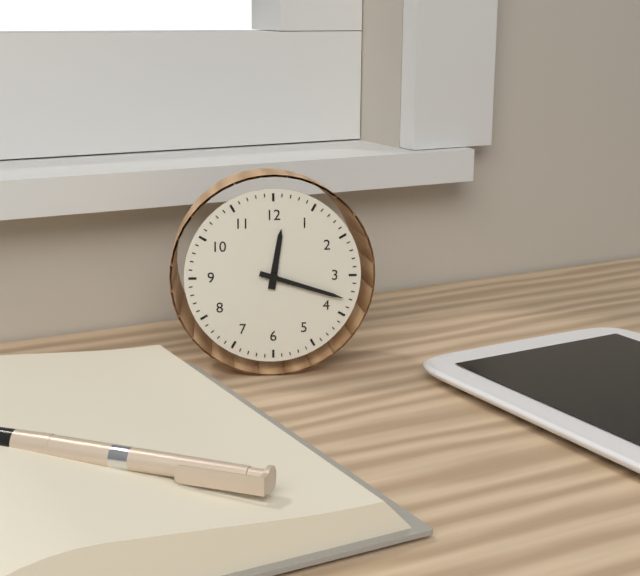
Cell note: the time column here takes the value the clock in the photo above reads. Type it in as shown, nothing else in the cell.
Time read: 12:18
